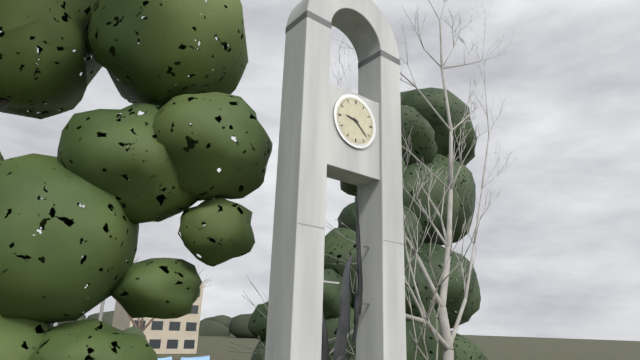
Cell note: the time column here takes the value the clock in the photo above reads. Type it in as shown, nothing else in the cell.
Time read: 9:22
